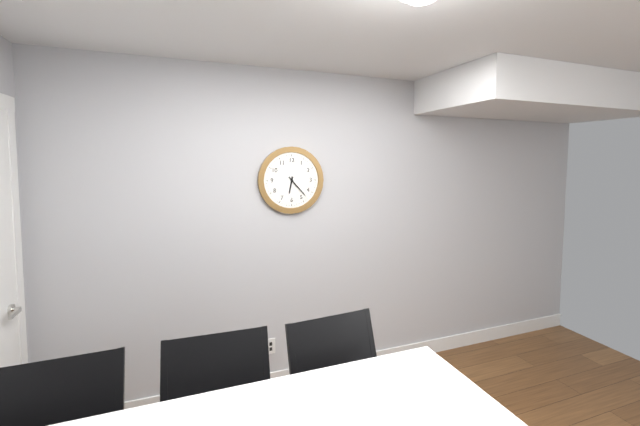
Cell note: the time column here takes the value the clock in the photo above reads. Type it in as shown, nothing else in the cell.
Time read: 6:23
